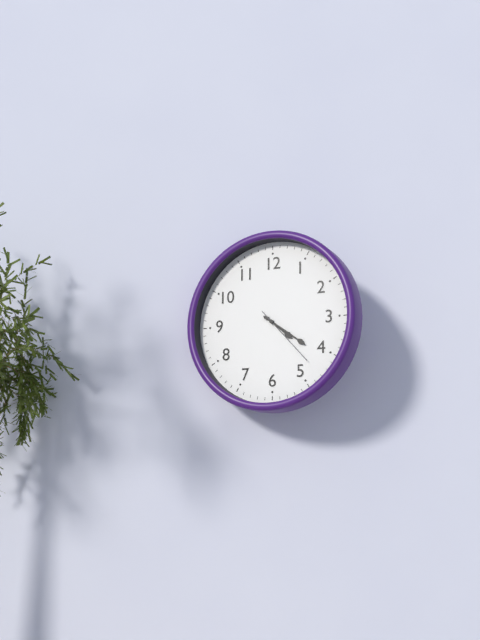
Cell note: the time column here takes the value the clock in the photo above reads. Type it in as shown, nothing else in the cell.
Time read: 4:21:23
